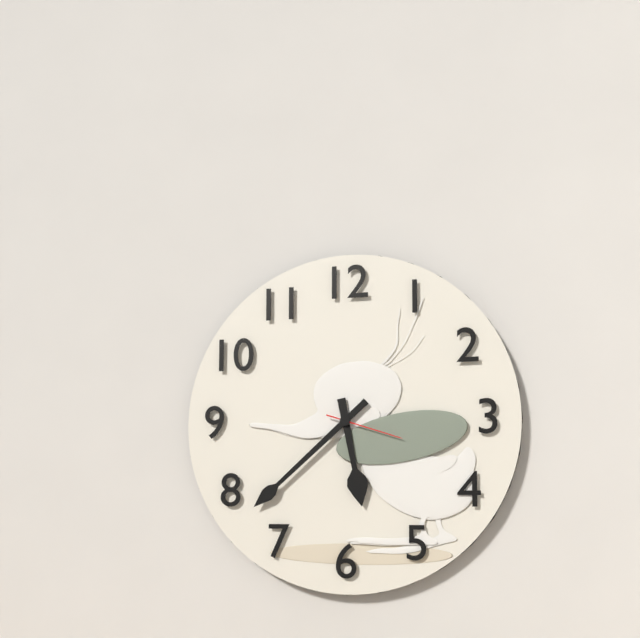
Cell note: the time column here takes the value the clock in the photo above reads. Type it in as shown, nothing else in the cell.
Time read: 5:38:18
